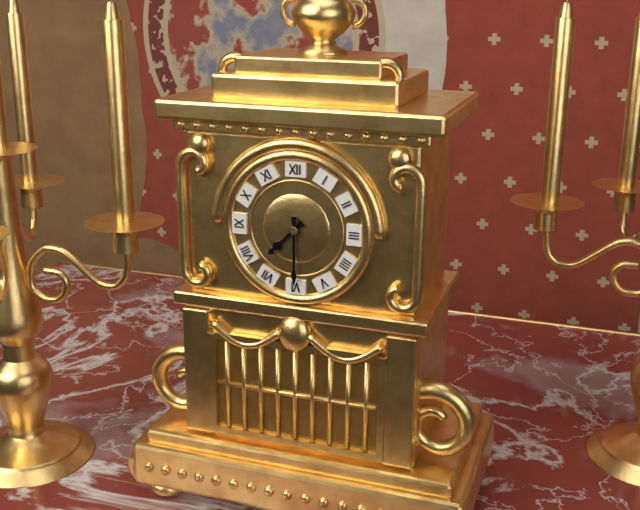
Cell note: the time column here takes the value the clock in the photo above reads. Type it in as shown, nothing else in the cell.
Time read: 7:30
